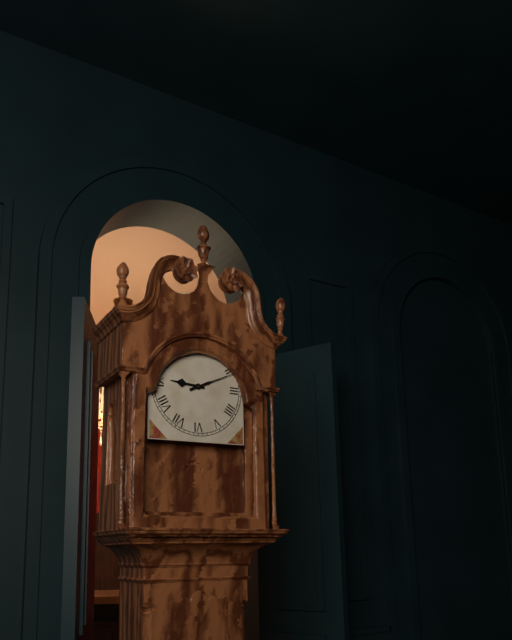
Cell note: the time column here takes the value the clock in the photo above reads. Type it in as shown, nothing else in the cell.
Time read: 9:11
